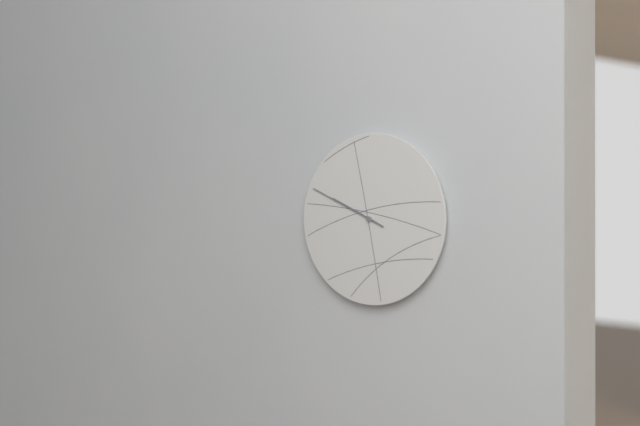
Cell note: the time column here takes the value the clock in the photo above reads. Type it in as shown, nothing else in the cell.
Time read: 9:49
